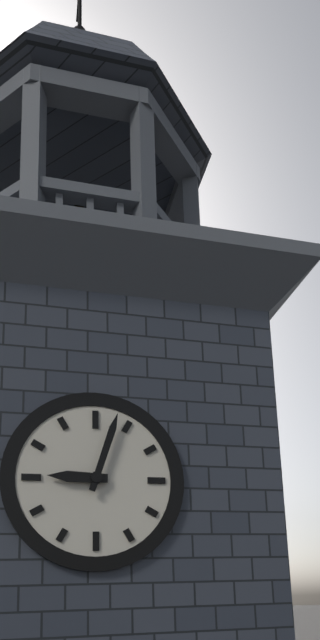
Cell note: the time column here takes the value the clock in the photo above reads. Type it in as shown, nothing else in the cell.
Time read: 9:03
